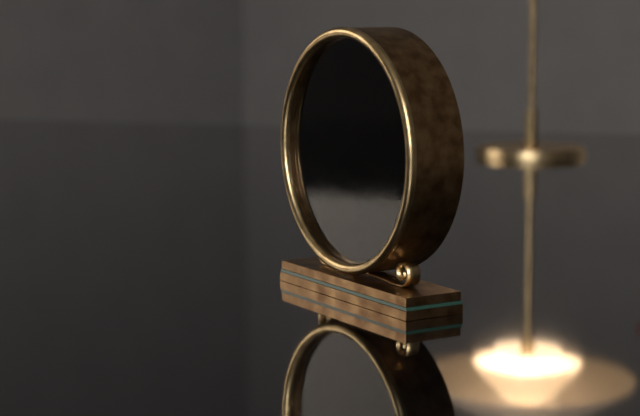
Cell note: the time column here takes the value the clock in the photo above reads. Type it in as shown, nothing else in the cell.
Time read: 5:58
